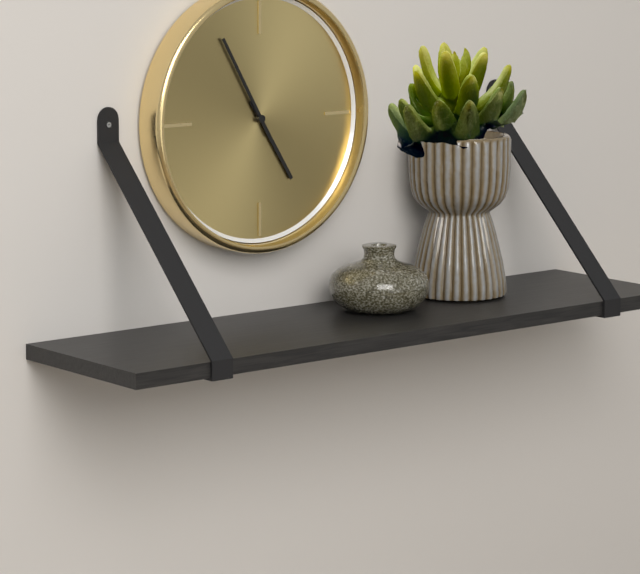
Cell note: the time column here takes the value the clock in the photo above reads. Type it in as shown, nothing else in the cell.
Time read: 4:55
